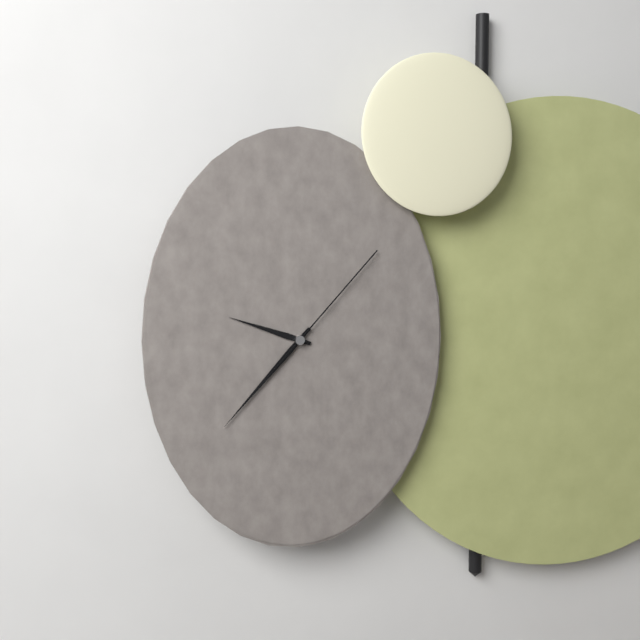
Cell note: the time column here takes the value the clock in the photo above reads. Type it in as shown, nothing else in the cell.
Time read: 9:37:07
